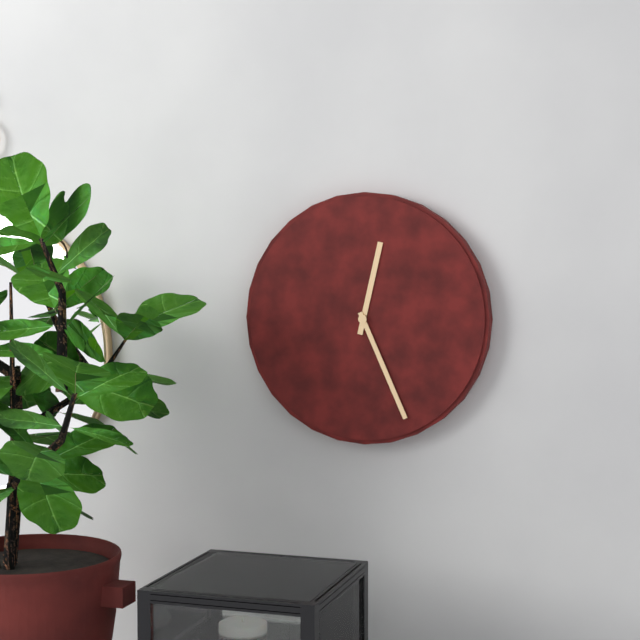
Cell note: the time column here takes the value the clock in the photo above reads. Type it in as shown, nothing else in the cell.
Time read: 12:26
